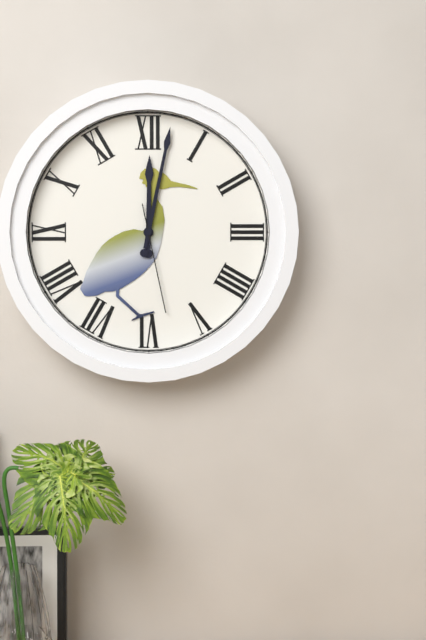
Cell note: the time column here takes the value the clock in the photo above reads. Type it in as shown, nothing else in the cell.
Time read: 12:02:28
